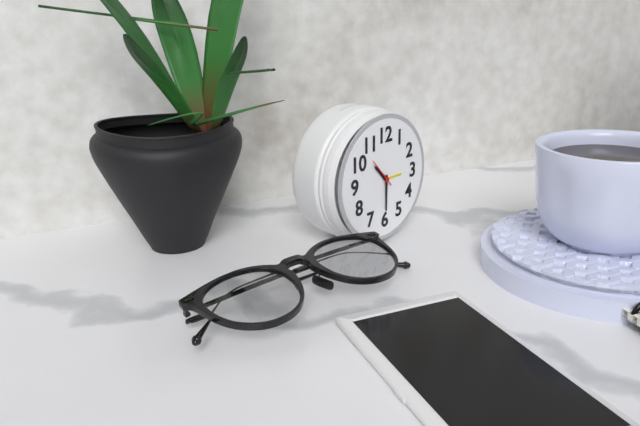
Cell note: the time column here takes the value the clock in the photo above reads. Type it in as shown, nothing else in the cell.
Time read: 10:30
